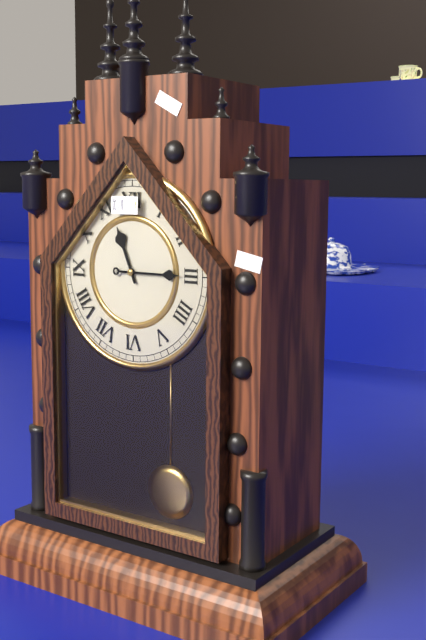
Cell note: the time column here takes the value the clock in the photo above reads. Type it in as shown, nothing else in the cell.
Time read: 11:15
